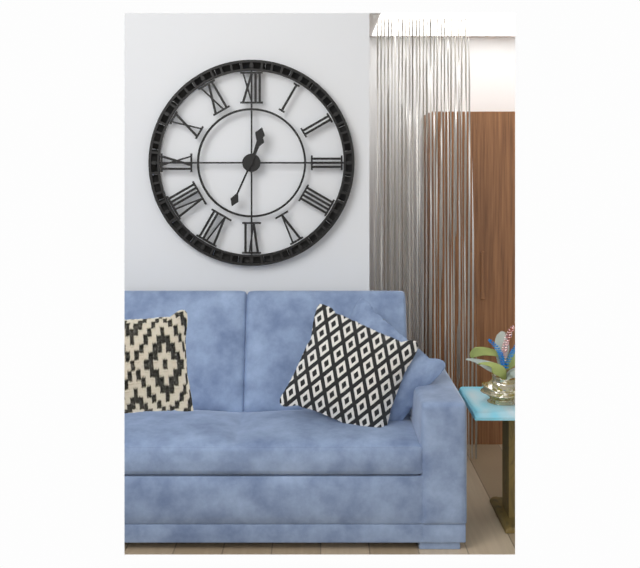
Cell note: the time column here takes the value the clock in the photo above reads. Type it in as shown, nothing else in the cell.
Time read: 12:34
